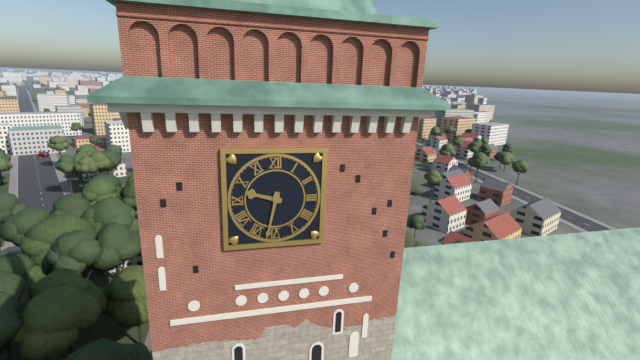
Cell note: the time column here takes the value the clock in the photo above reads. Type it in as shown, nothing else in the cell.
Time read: 9:32
